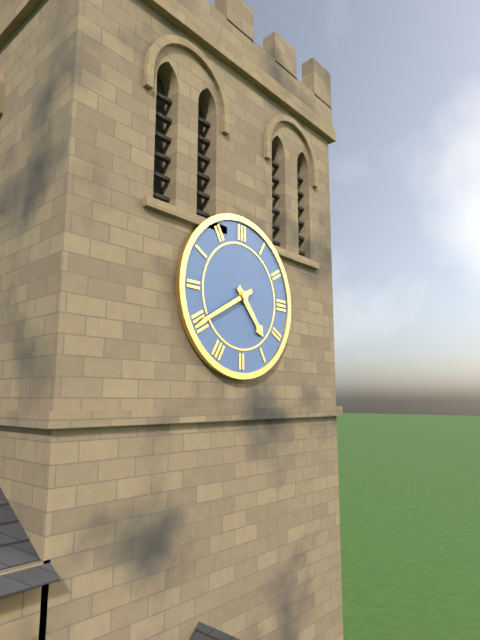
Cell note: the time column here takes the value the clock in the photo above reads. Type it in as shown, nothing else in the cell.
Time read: 4:40
